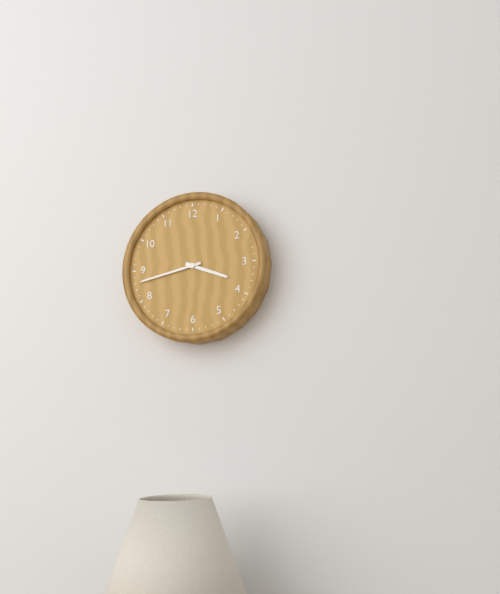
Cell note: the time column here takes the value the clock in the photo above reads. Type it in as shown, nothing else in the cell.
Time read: 3:43
